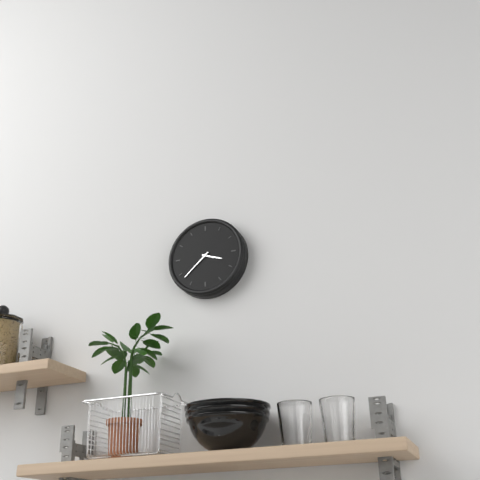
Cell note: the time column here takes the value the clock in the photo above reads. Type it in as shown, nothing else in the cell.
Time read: 3:38
